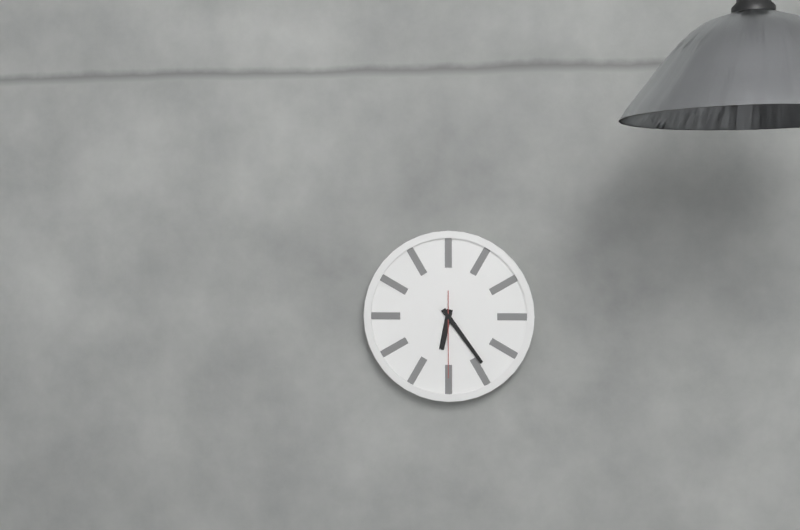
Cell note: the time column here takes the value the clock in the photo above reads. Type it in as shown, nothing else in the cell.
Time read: 6:24:30
